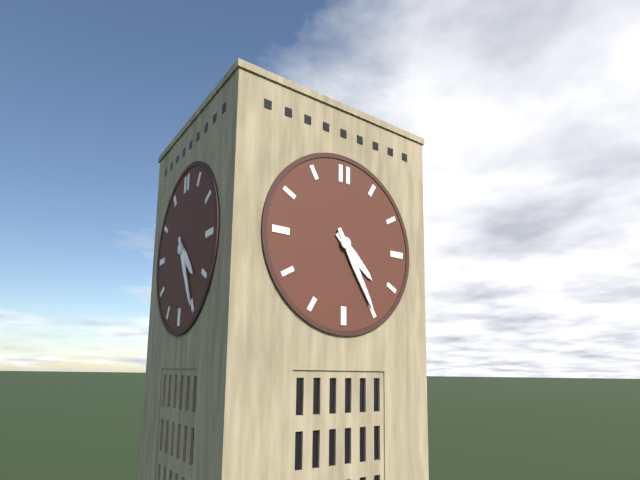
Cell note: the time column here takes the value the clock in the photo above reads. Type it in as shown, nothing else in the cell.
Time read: 4:25
